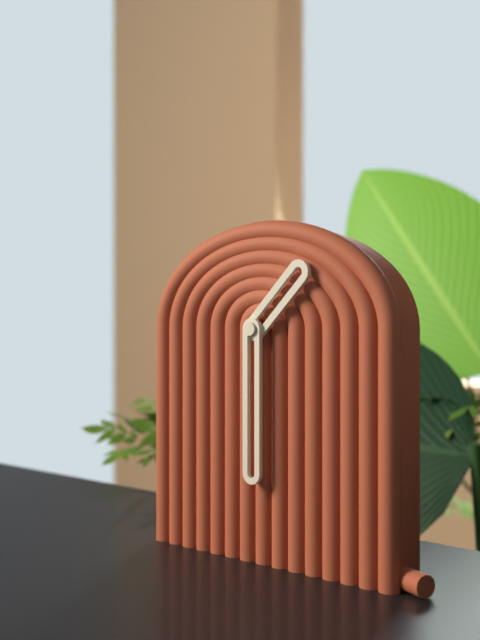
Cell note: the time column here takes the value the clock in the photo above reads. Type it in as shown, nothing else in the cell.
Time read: 1:30
